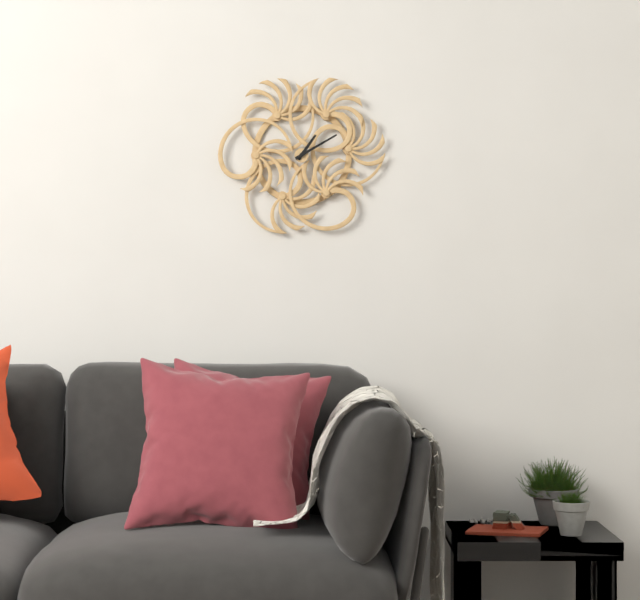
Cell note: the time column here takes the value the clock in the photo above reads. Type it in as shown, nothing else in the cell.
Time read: 1:10
